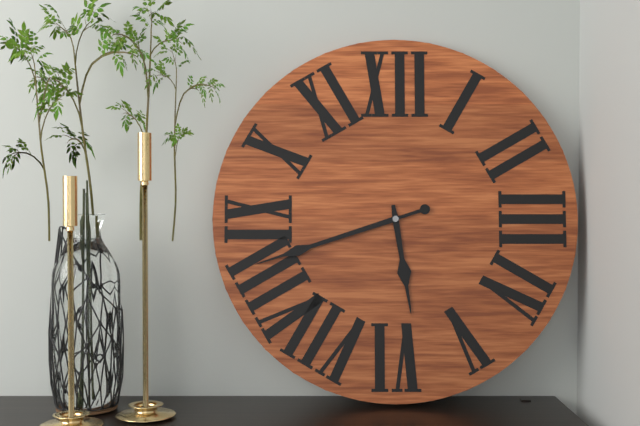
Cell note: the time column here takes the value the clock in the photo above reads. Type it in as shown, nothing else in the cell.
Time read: 5:42
